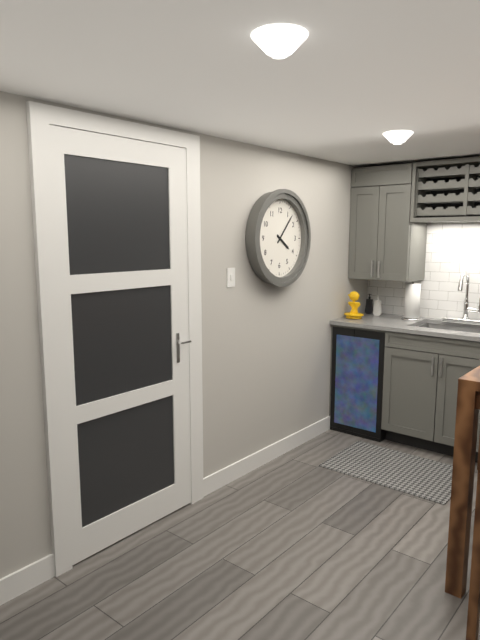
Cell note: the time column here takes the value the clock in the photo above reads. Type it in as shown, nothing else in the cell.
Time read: 4:07
